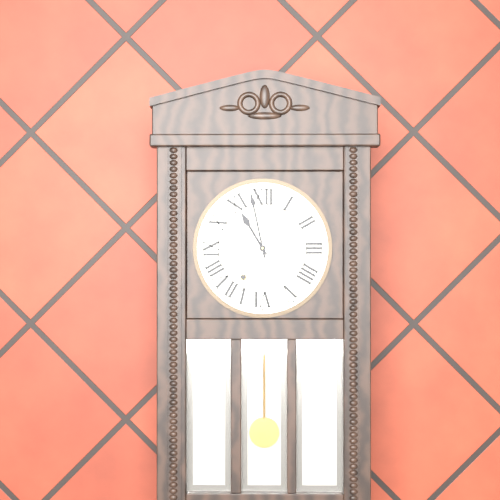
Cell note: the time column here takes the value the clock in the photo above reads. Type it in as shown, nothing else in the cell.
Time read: 10:58
